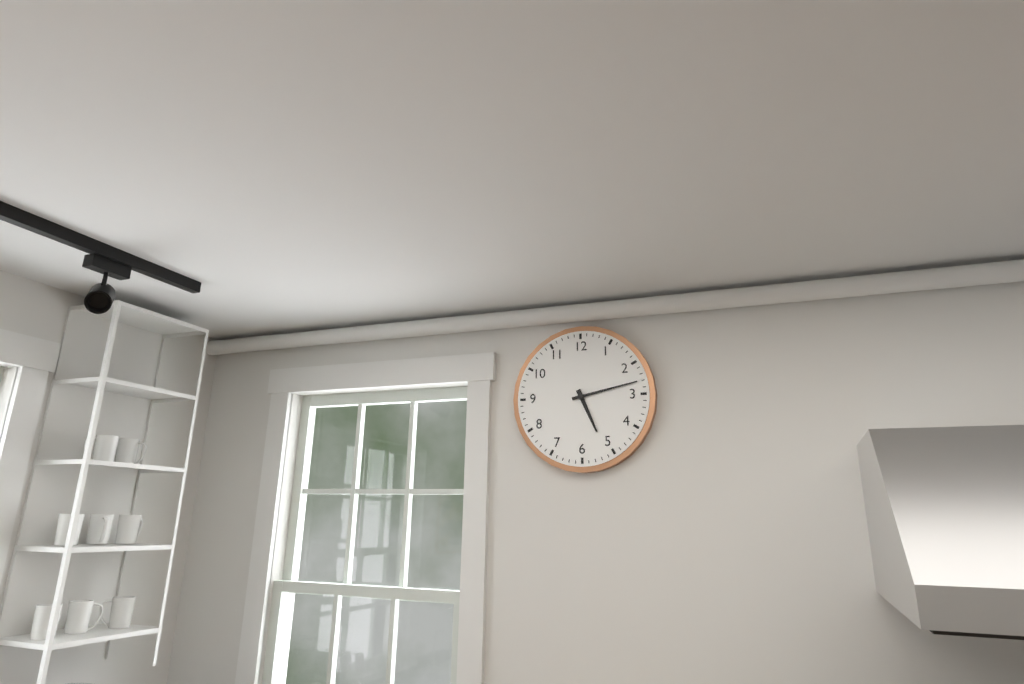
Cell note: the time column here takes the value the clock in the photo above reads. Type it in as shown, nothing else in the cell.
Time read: 5:13
